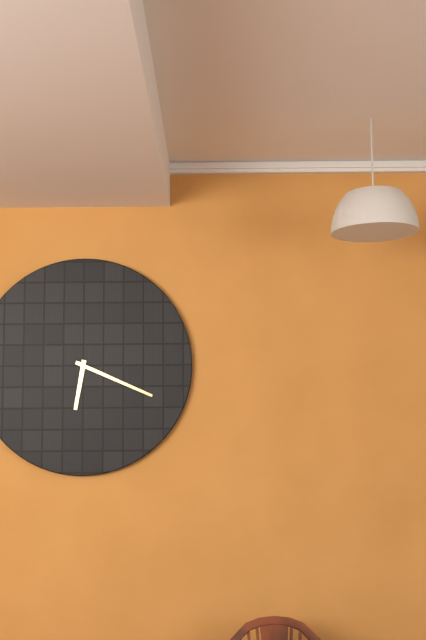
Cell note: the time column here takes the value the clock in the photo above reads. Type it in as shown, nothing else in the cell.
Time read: 6:19
